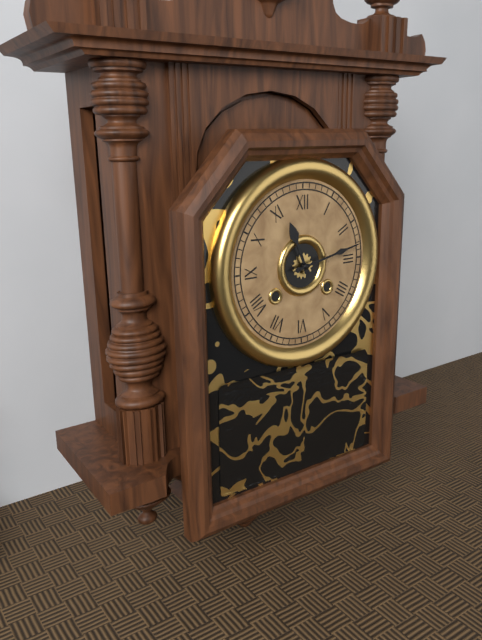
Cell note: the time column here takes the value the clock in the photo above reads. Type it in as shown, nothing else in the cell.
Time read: 11:13
